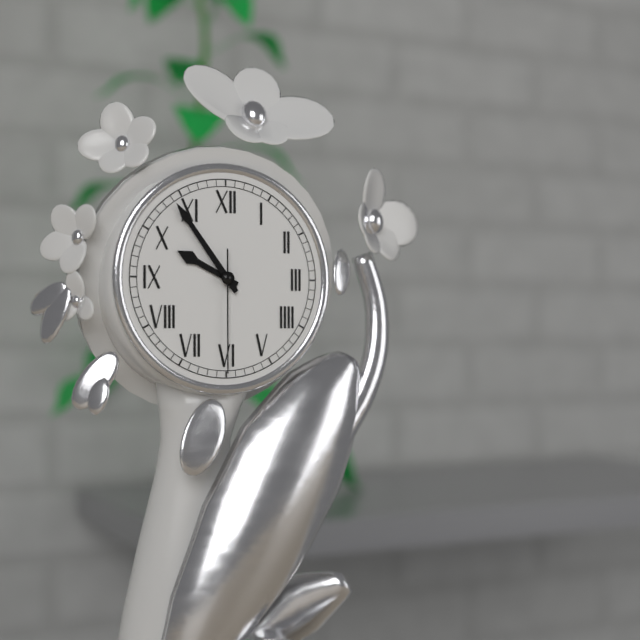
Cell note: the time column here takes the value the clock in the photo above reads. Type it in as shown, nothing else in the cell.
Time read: 9:54:30
